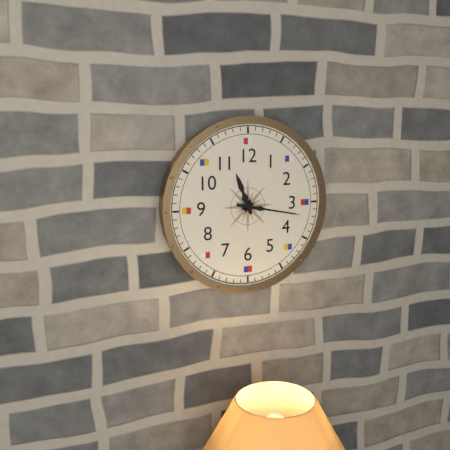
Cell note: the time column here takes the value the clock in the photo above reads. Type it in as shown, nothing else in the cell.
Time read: 11:17
